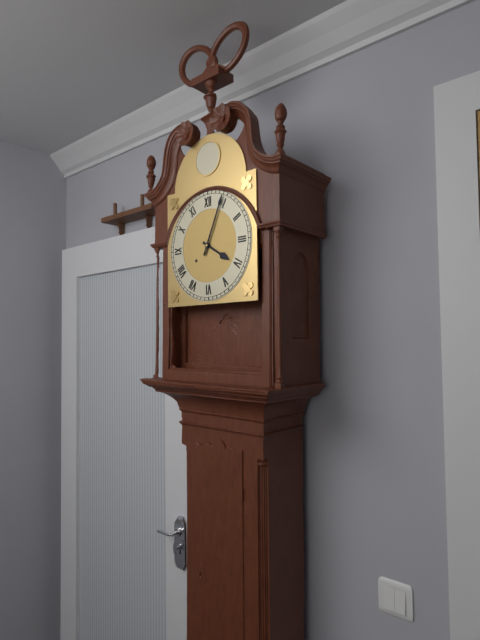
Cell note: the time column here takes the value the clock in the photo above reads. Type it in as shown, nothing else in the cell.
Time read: 4:04
